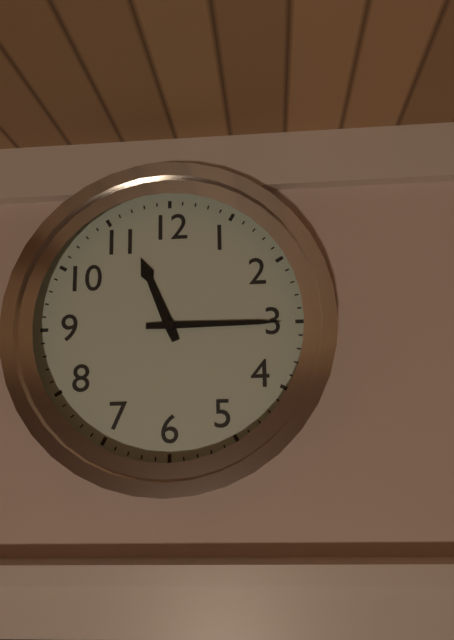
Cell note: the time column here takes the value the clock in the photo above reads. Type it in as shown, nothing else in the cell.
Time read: 11:15
